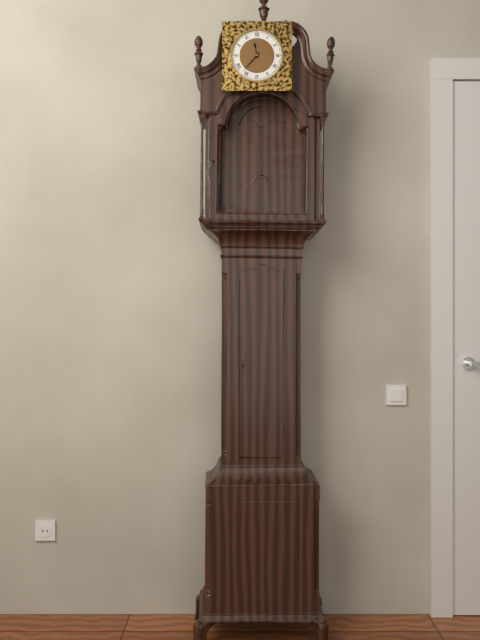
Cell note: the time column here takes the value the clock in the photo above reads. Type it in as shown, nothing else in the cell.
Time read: 11:37
